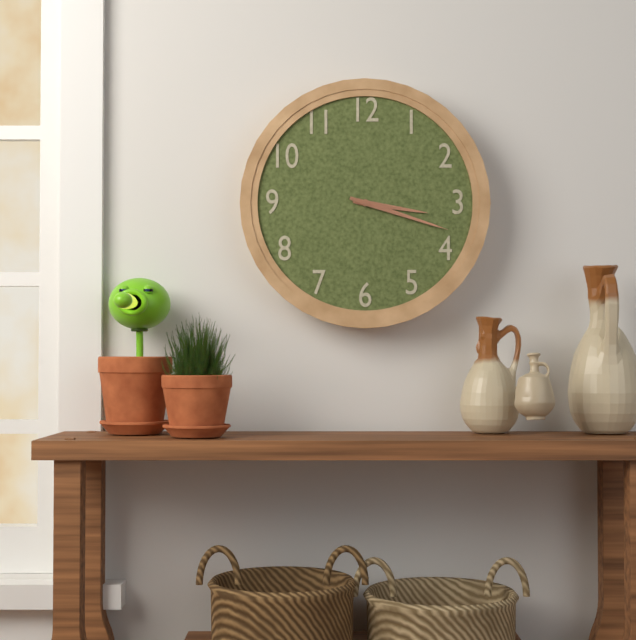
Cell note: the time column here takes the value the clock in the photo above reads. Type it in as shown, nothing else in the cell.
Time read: 3:18
